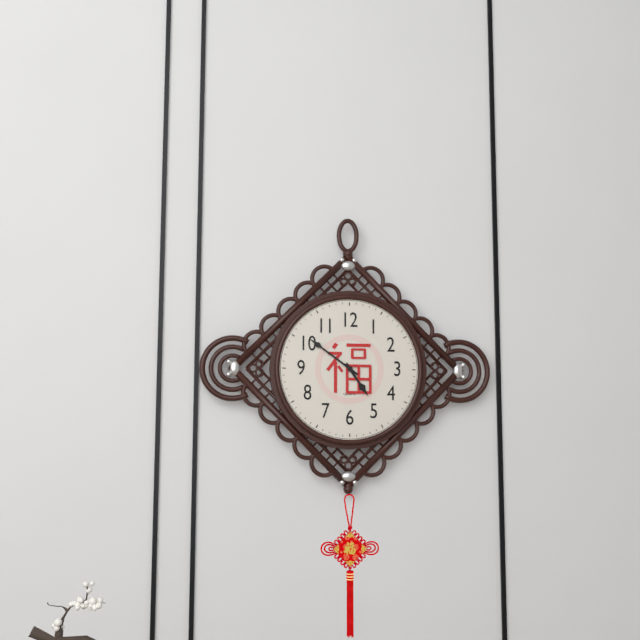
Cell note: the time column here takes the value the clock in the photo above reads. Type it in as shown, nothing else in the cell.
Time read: 4:51
